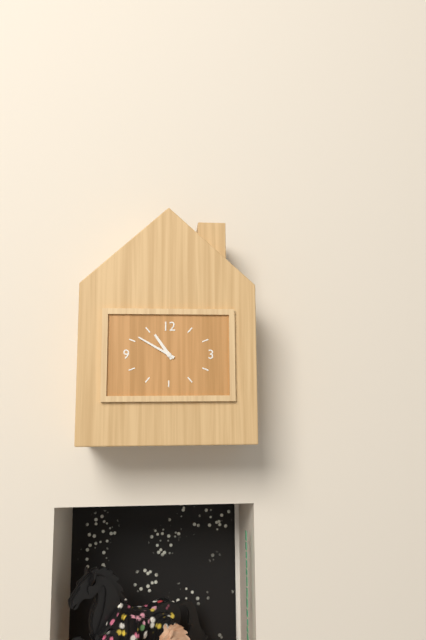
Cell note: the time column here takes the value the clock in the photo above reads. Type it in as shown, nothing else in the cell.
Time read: 10:50
